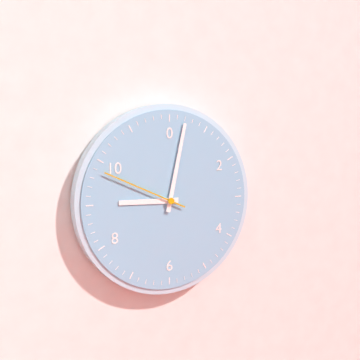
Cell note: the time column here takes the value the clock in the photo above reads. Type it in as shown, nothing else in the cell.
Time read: 9:02:49
